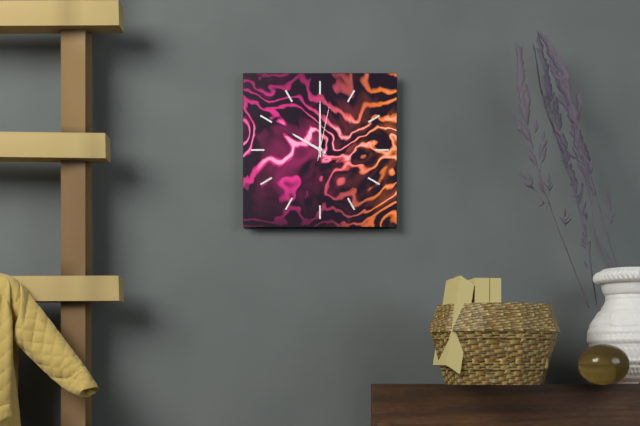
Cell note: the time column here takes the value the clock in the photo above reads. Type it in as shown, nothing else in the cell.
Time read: 10:00:02
